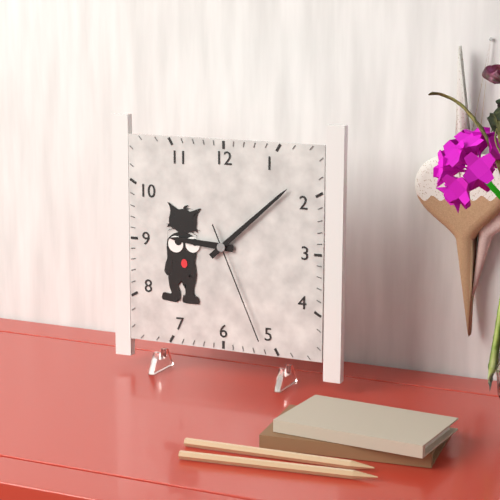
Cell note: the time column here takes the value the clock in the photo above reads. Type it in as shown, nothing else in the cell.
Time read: 9:08:26
